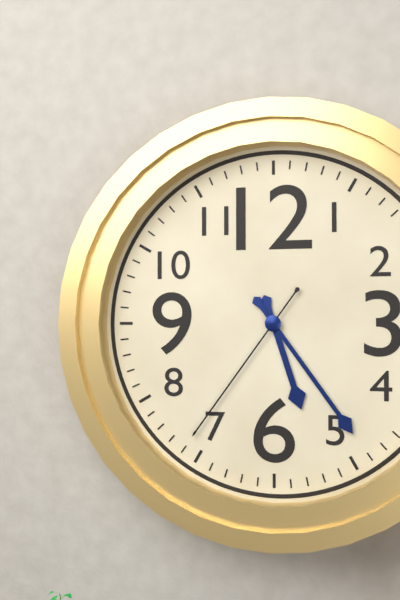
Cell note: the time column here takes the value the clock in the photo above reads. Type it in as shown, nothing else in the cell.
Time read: 5:24:36
